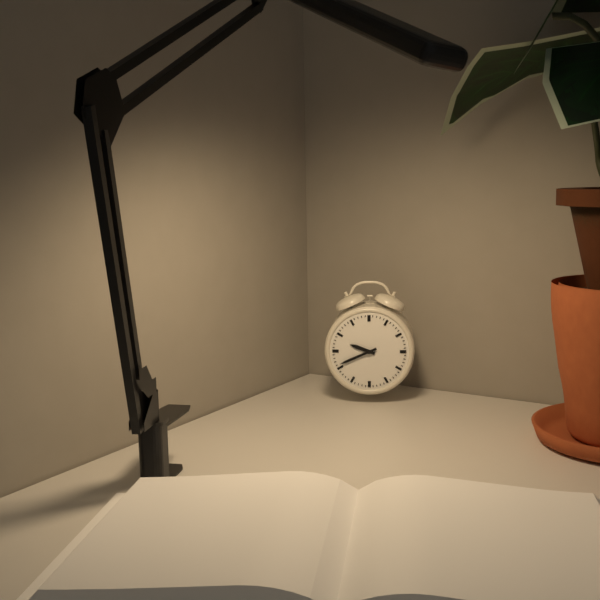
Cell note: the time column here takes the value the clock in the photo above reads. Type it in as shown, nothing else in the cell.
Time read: 9:41
